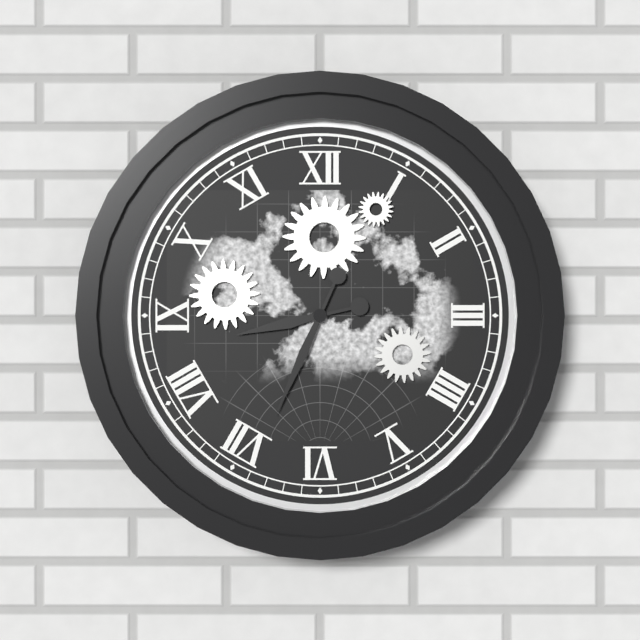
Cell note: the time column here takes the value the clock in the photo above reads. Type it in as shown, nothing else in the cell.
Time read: 8:34
